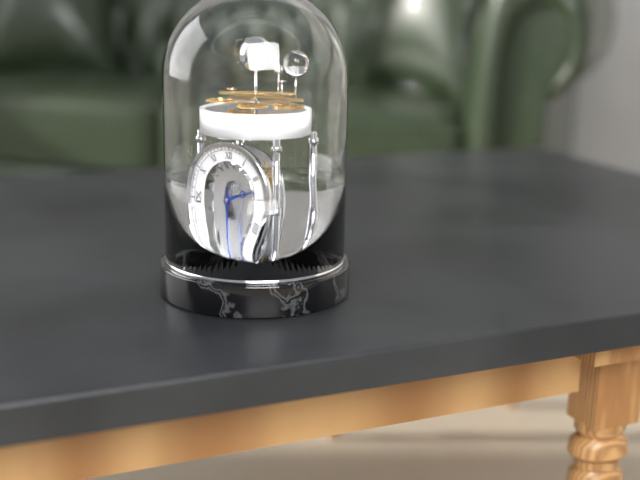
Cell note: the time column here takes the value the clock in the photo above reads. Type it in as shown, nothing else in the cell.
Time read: 2:30
